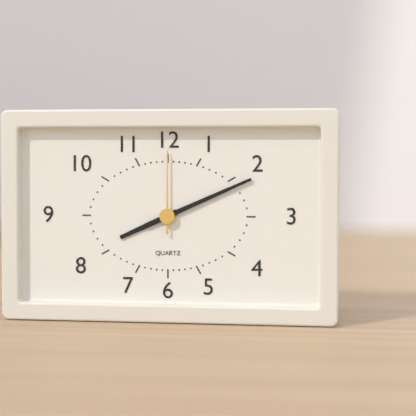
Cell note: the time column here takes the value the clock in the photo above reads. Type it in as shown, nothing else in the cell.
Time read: 8:11:00
